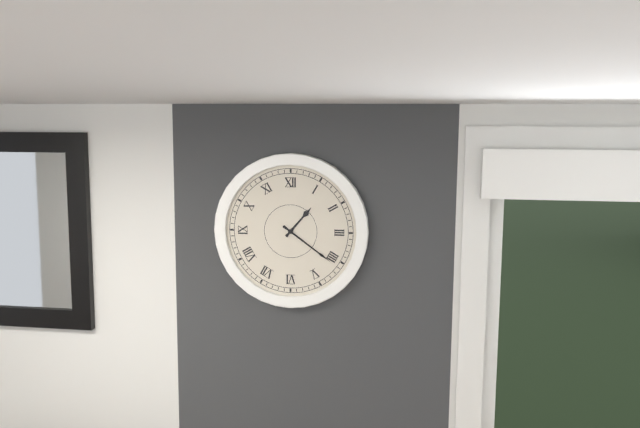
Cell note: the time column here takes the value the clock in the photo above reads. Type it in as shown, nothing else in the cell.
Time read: 1:21
